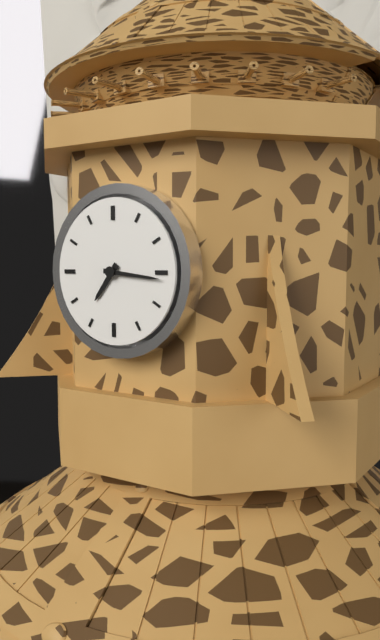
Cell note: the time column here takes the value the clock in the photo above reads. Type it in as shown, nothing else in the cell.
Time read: 7:16
